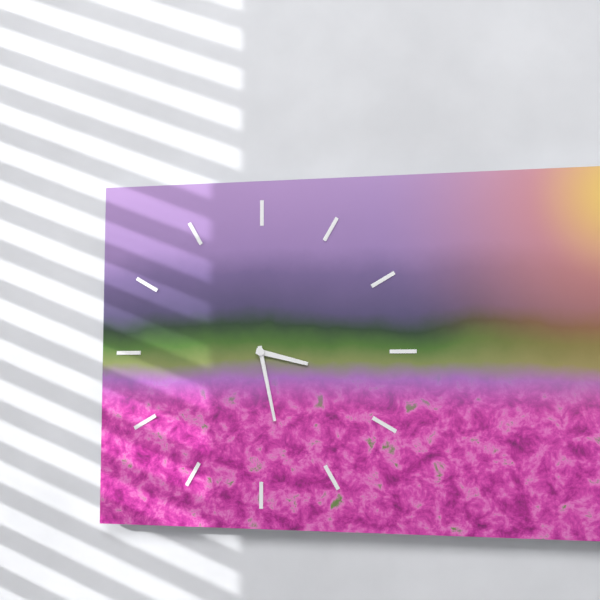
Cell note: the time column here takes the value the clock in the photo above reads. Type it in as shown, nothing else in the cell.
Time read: 3:28
